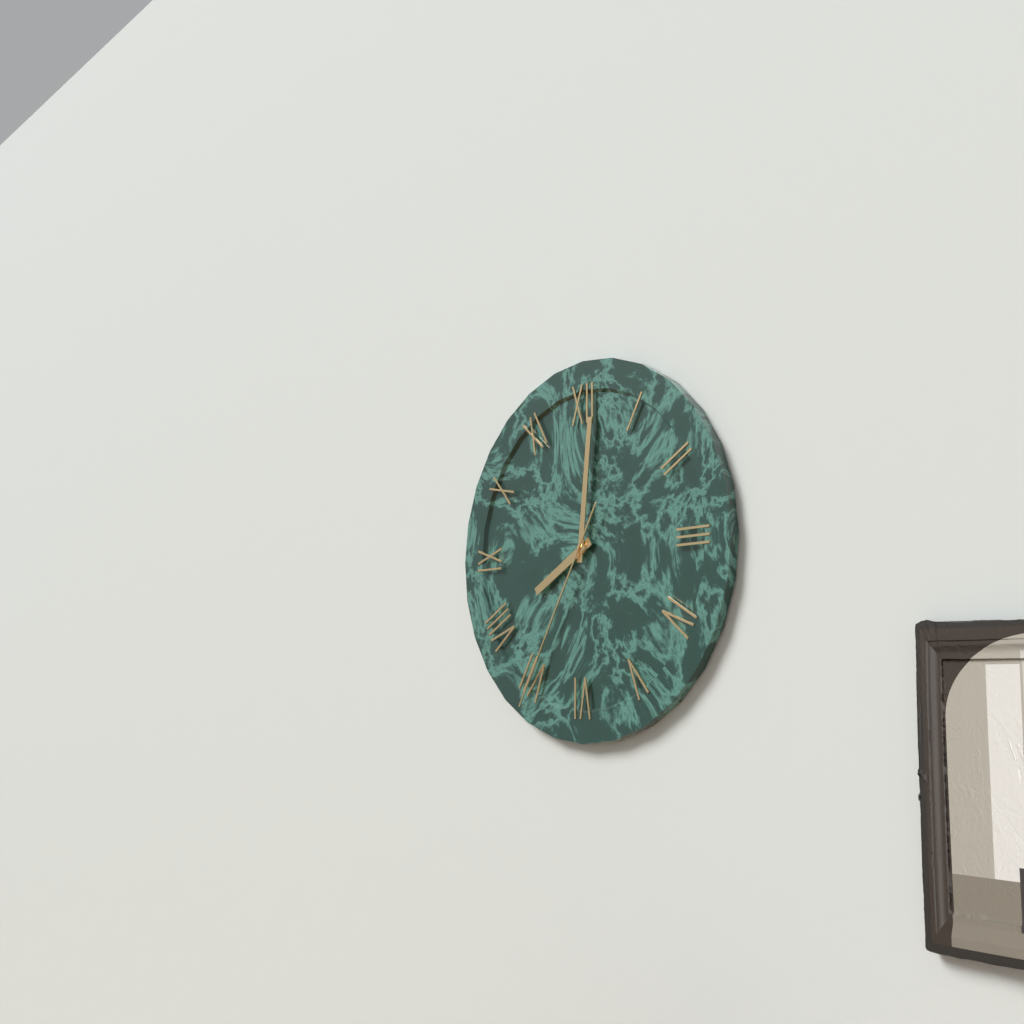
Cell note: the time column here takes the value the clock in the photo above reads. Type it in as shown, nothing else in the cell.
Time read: 8:01:35
